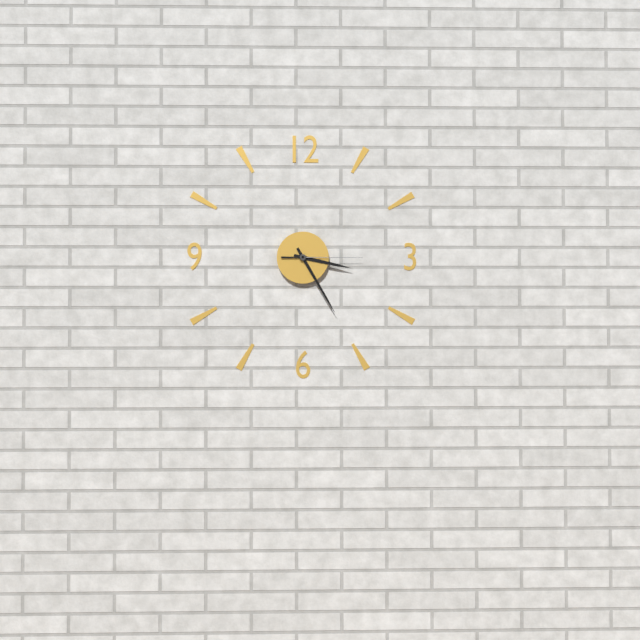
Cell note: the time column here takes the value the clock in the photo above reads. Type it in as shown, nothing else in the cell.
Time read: 3:25:15
